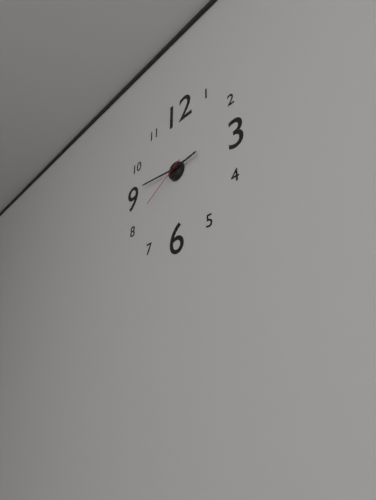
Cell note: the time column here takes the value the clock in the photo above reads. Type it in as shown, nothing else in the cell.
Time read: 2:46:40
